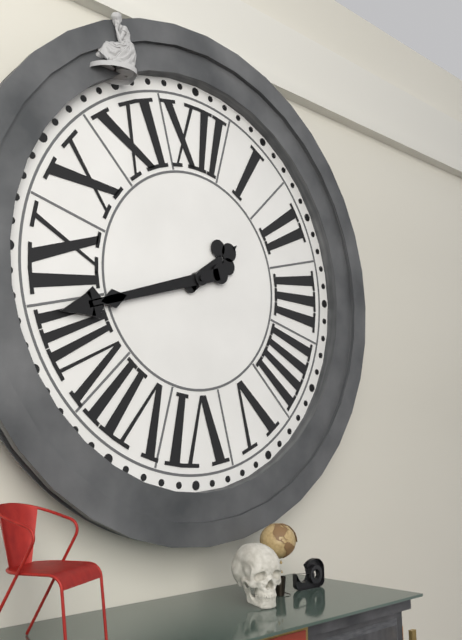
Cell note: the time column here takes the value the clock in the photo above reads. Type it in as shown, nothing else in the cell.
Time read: 1:42
